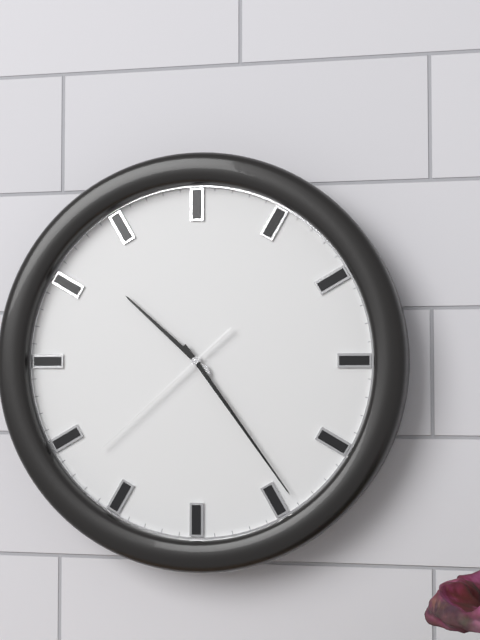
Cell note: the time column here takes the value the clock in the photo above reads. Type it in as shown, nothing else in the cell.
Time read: 10:24:38
